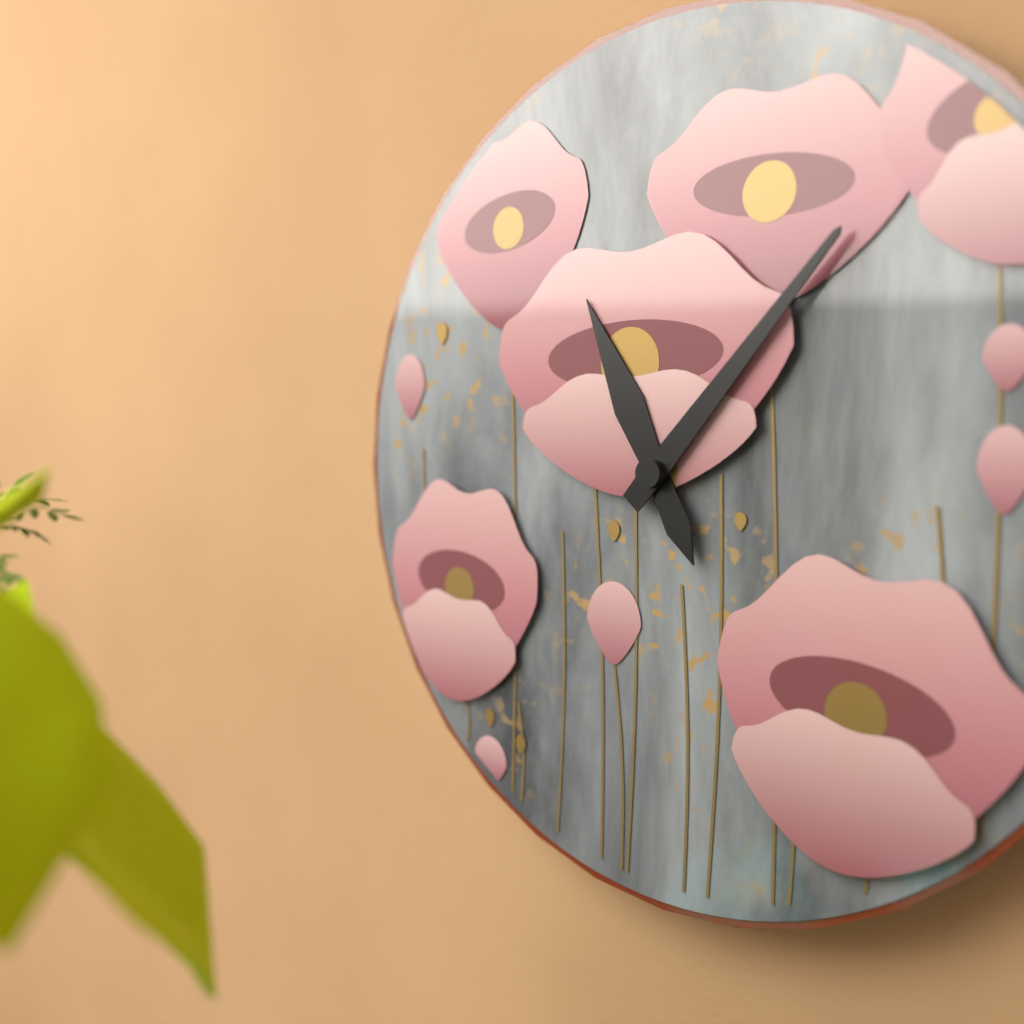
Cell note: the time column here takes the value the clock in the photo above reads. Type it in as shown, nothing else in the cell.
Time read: 11:07
